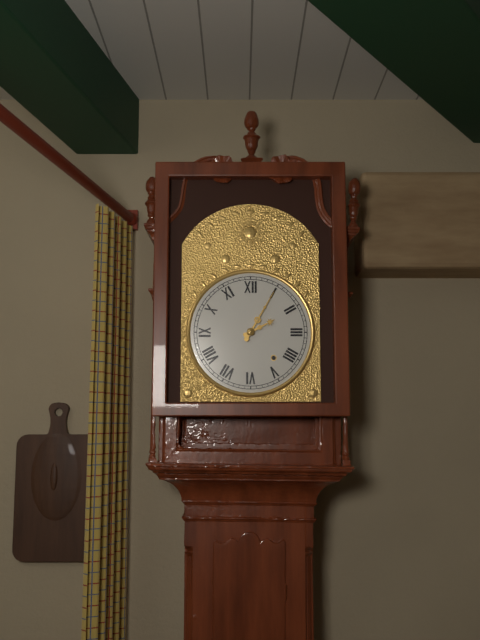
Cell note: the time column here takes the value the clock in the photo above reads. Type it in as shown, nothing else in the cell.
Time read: 2:05
